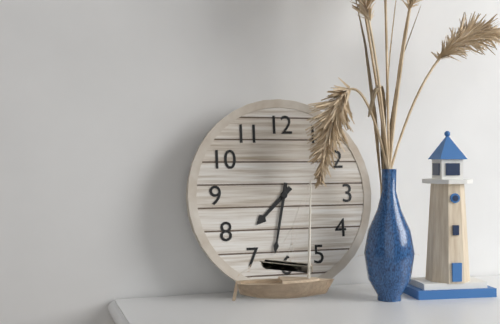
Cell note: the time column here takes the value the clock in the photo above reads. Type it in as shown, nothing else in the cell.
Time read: 7:32
